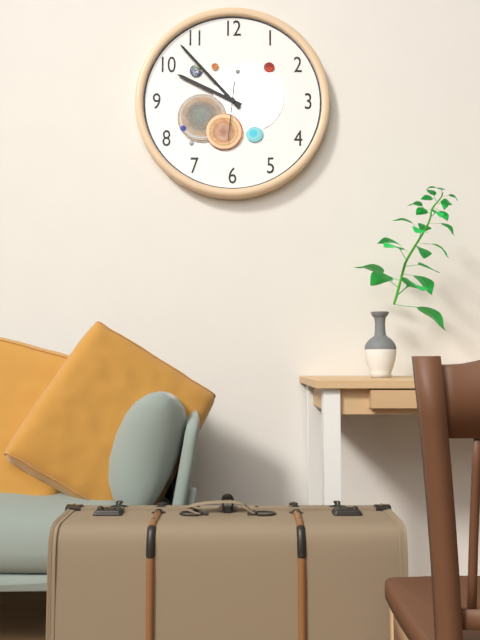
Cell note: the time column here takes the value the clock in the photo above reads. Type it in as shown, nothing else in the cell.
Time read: 9:53:31
